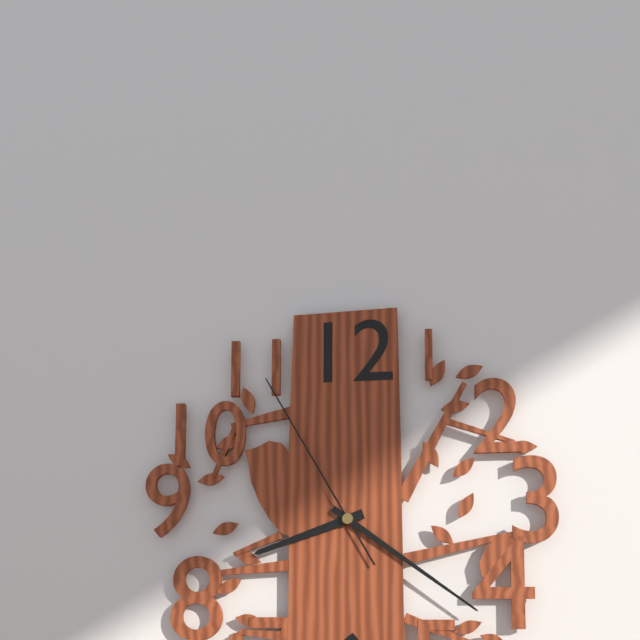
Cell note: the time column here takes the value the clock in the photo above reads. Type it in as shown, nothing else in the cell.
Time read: 8:21:55
